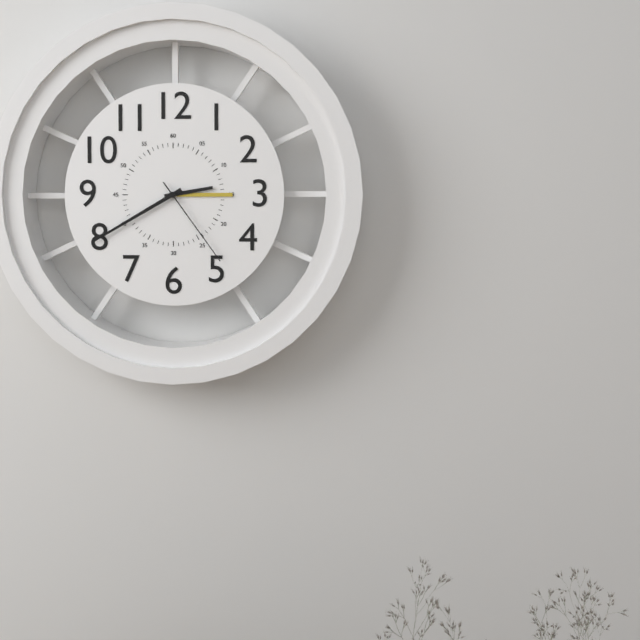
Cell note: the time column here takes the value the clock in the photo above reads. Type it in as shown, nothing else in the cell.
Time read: 2:40:24
